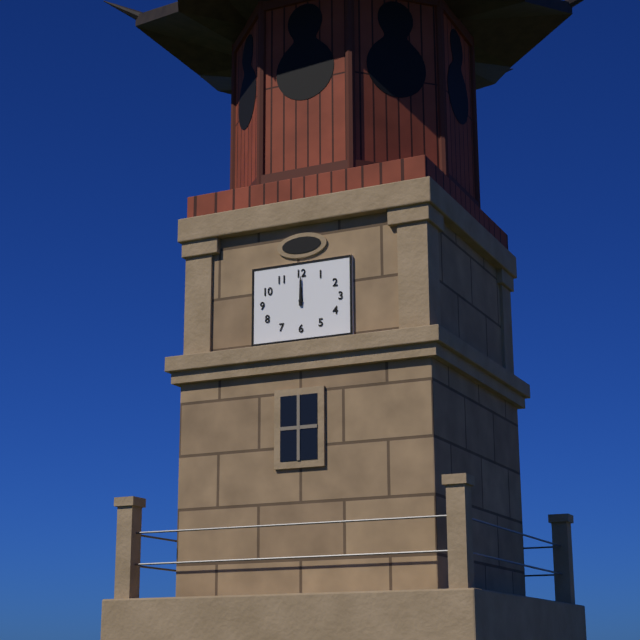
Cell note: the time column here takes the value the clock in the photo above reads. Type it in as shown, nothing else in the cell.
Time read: 12:00
